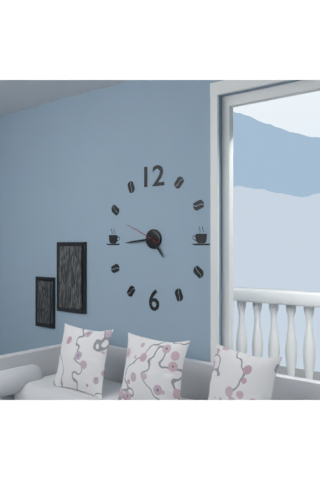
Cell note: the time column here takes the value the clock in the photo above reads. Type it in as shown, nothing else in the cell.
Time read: 4:44
